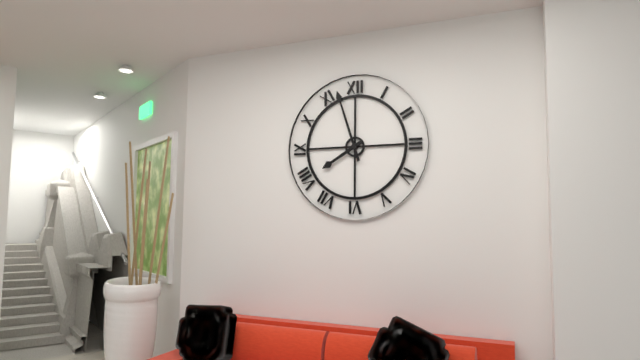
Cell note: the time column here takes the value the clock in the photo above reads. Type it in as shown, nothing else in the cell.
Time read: 7:57
